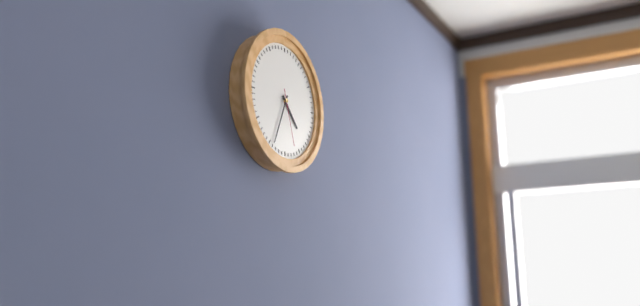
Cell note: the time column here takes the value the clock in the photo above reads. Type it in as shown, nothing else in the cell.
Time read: 4:34:27
